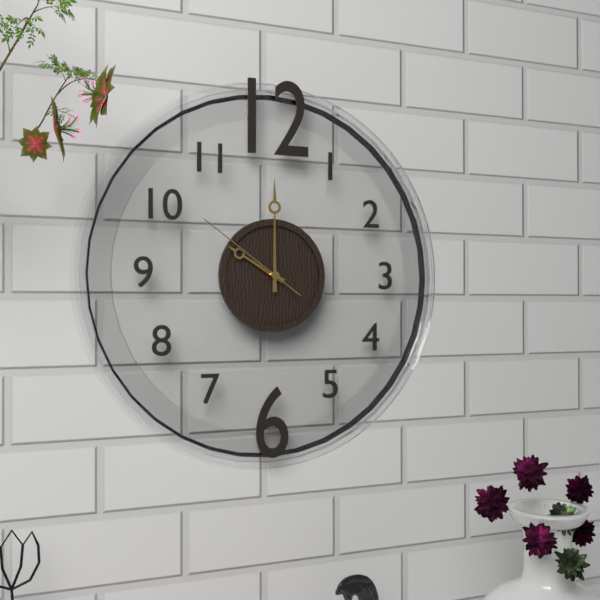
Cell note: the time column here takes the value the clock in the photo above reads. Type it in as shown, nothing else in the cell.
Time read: 10:00:51
